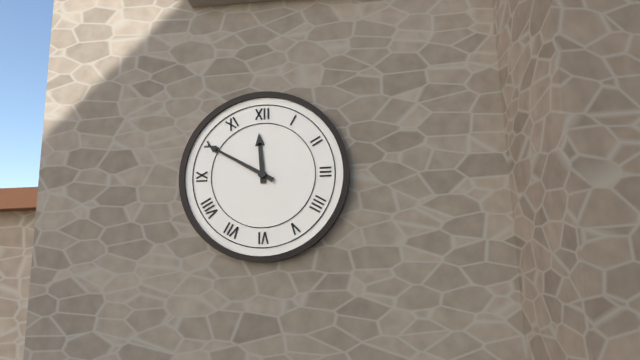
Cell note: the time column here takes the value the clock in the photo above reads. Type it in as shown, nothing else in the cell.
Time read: 11:50
